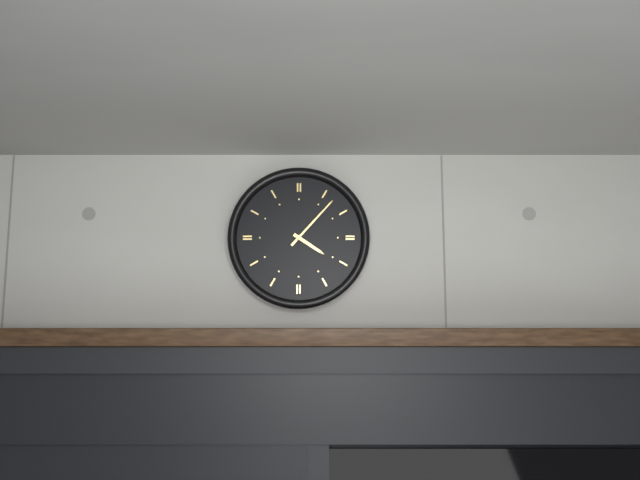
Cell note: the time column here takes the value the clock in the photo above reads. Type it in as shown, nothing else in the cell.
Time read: 4:07
